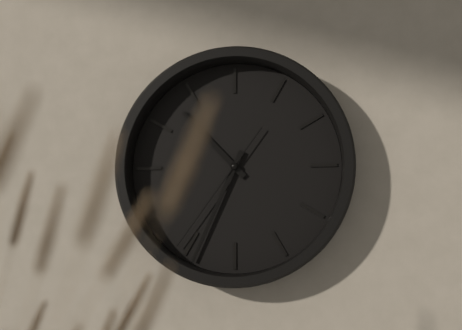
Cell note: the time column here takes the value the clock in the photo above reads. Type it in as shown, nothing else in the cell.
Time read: 10:34:36
